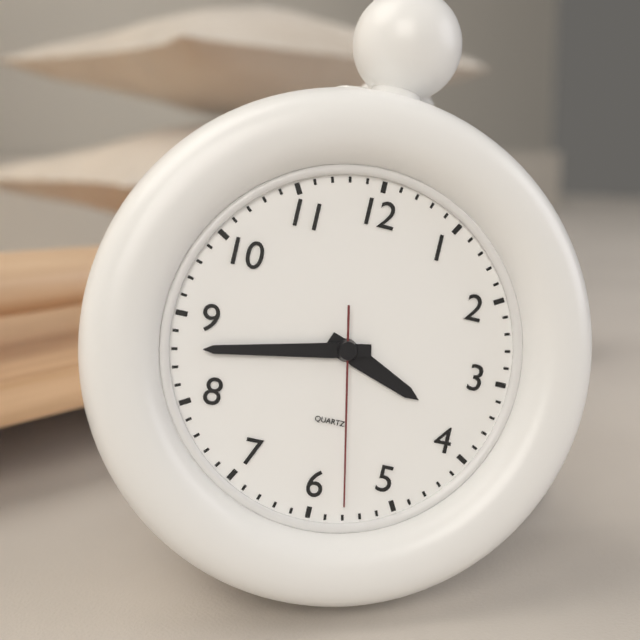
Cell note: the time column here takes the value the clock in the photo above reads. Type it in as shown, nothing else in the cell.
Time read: 3:43:28
